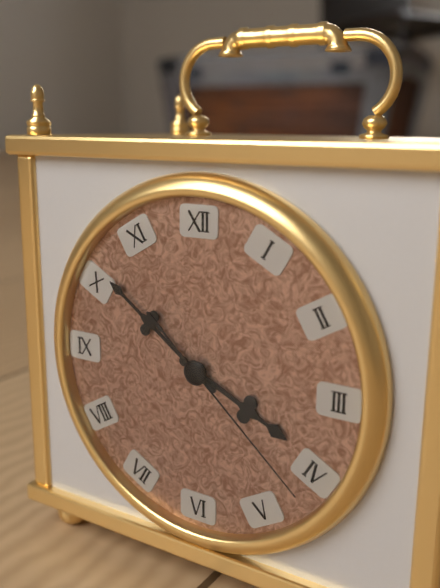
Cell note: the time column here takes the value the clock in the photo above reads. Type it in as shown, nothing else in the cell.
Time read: 3:51:22
